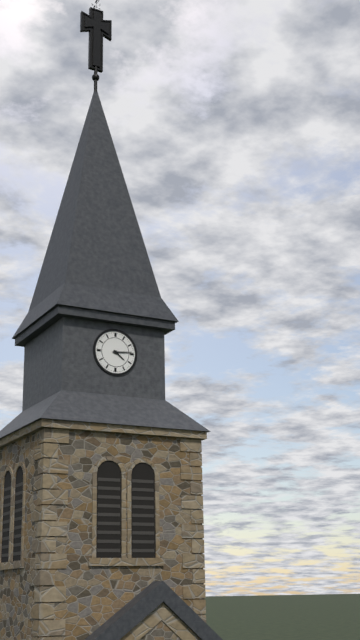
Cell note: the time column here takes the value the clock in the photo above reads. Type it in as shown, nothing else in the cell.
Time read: 4:14
